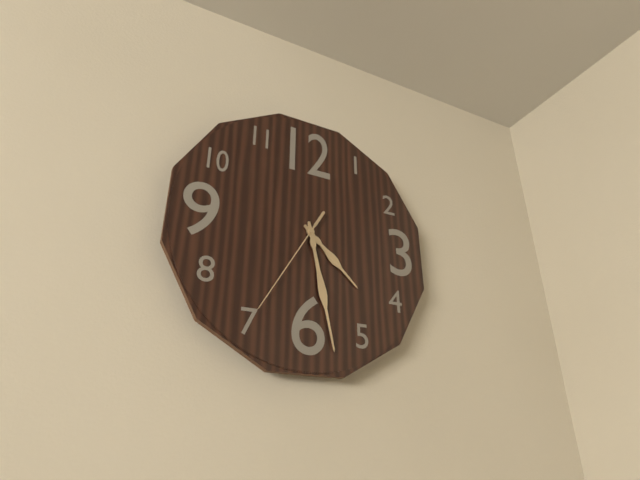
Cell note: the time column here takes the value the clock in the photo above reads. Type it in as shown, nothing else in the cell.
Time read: 4:28:35
